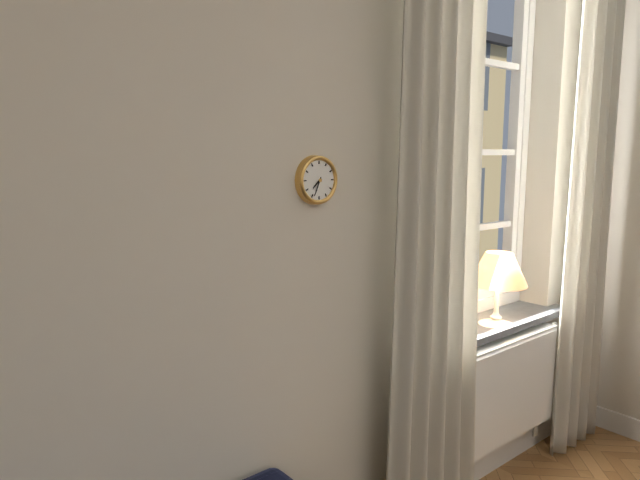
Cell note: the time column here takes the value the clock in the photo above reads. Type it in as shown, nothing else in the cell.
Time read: 7:34
